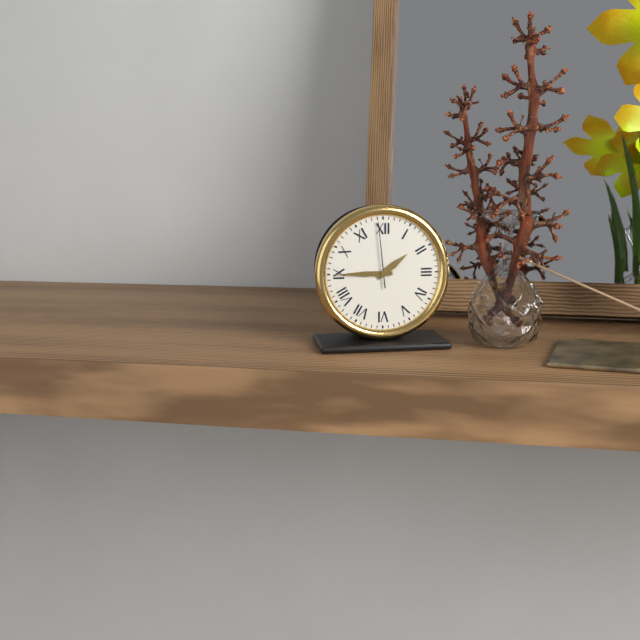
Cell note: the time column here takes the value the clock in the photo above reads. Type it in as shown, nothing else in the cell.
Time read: 1:45:59
